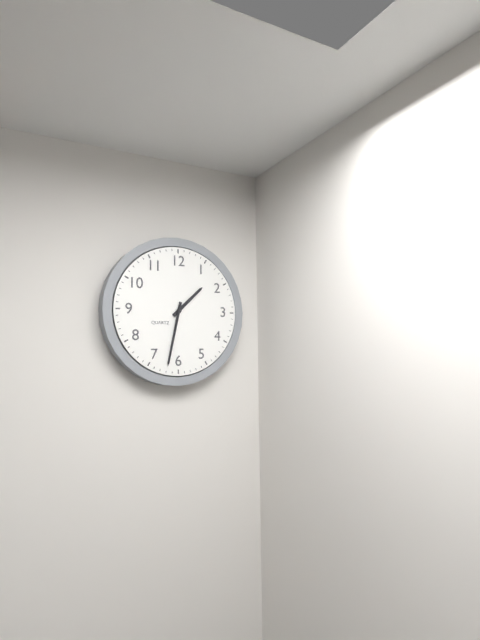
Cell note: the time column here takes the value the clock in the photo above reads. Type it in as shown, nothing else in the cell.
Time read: 1:32
